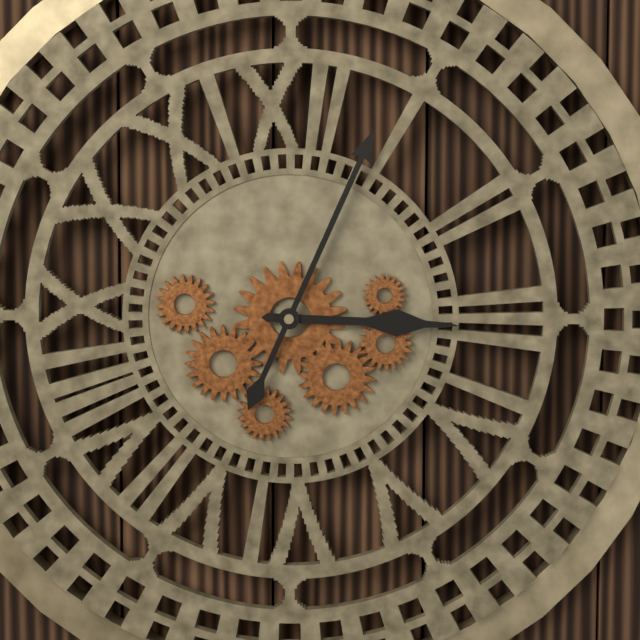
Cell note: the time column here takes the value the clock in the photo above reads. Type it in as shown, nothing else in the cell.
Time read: 3:04
